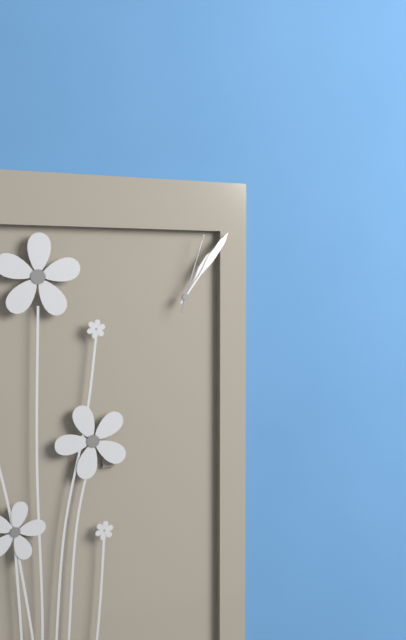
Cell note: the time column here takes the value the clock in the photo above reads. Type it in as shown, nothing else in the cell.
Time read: 1:06:03
